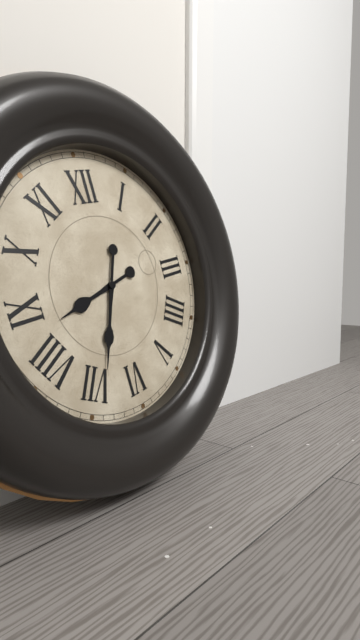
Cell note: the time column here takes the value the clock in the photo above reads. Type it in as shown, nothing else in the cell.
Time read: 8:34
